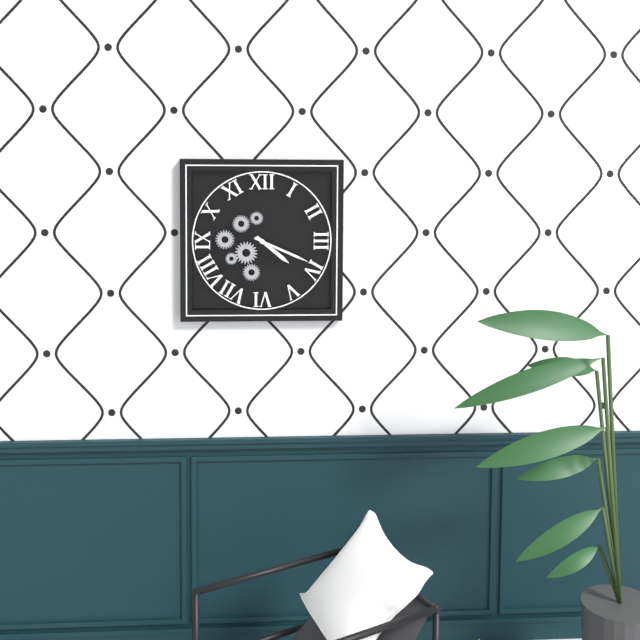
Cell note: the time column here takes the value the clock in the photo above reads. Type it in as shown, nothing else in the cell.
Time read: 4:19
